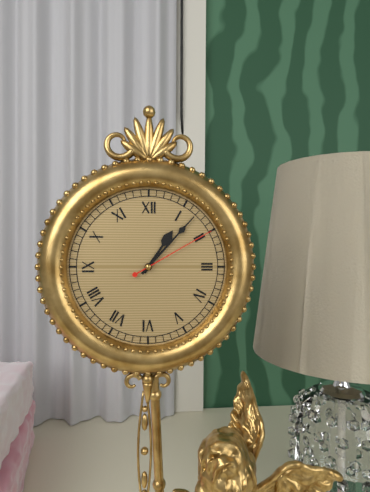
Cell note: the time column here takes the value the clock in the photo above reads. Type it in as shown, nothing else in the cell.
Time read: 1:07:10
